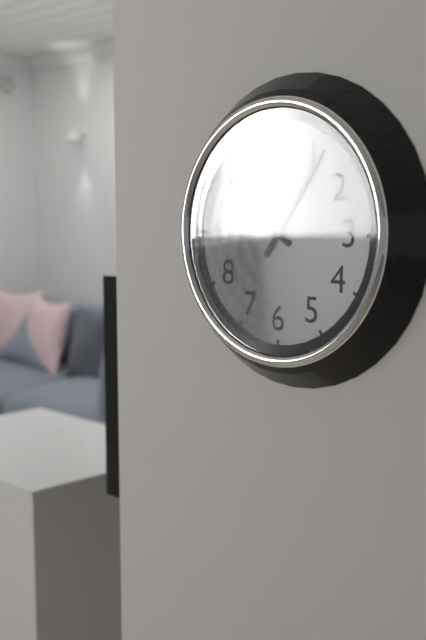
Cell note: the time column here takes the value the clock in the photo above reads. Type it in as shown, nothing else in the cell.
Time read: 10:06
